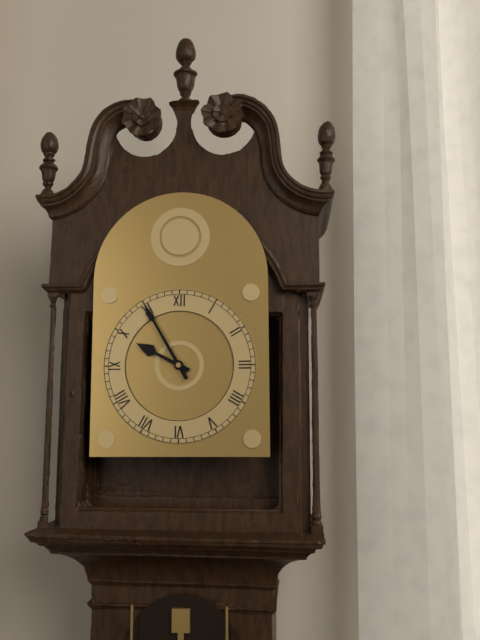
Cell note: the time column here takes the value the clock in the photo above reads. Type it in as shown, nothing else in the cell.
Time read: 9:55
